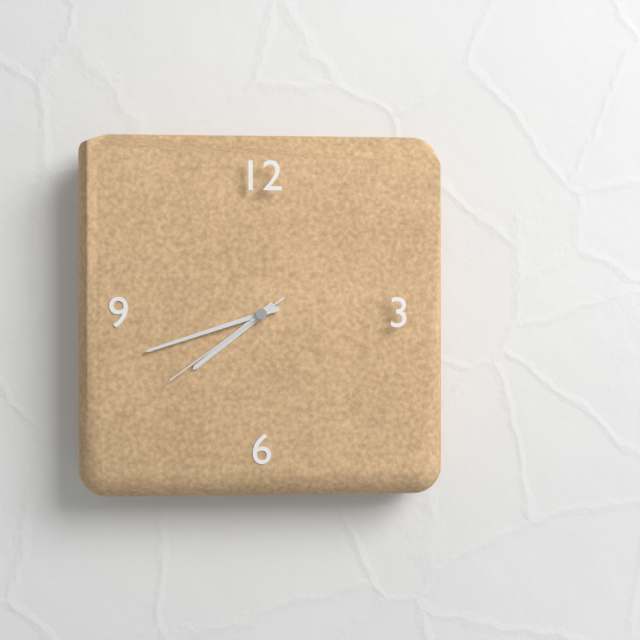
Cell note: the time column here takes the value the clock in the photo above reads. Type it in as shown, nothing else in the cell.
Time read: 7:42:39
